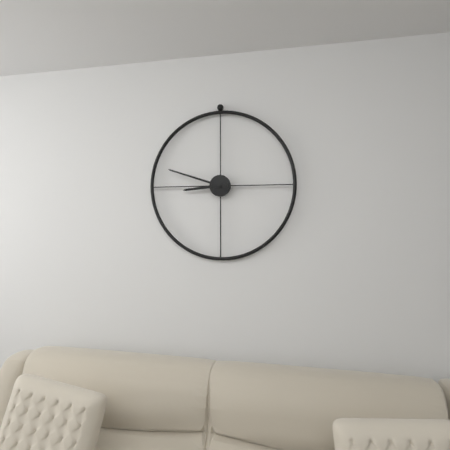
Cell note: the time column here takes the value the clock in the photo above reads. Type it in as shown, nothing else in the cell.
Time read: 8:48
